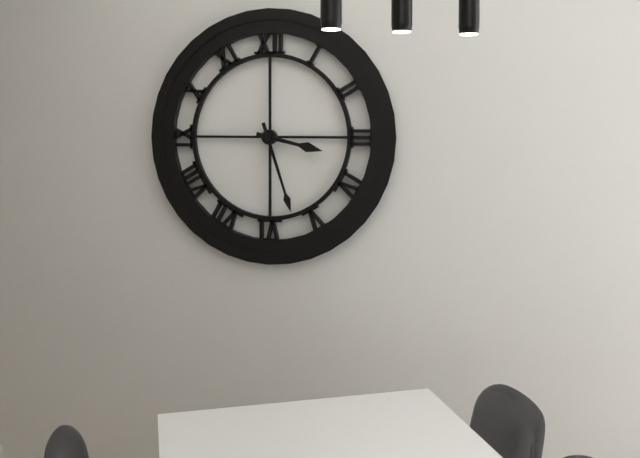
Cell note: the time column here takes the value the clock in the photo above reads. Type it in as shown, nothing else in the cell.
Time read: 3:27
